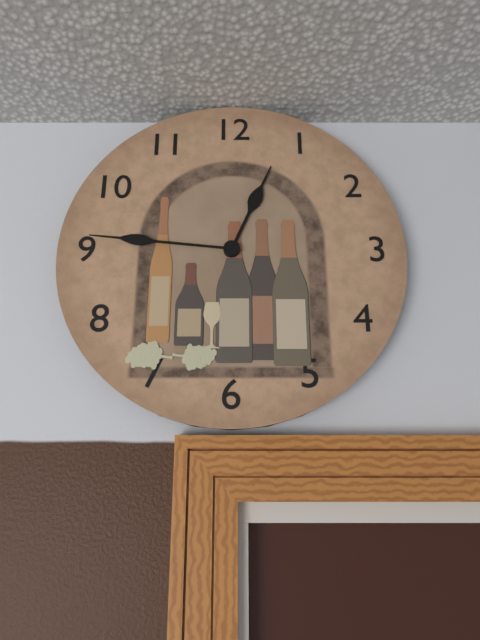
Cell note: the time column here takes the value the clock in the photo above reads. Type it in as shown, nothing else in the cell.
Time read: 12:46
